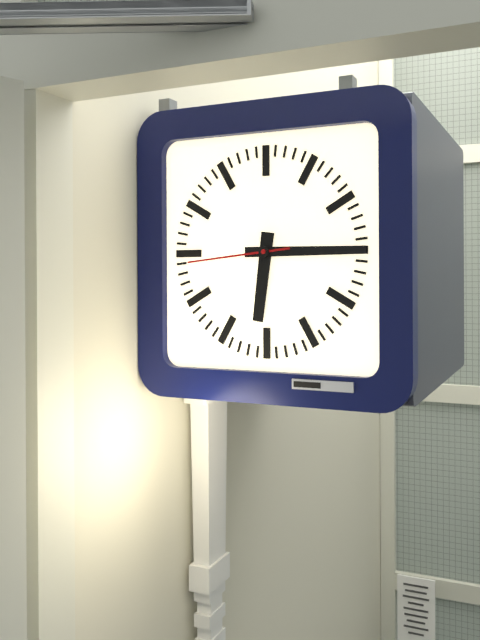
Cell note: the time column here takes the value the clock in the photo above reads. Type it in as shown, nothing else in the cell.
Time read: 6:15:44
